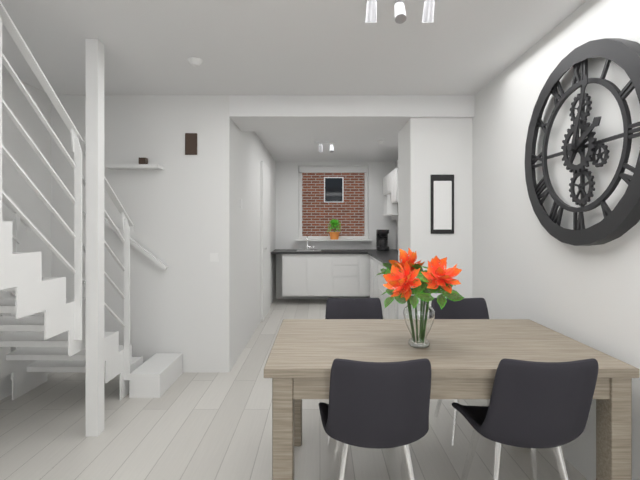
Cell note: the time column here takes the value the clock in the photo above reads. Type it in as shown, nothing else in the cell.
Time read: 2:03
